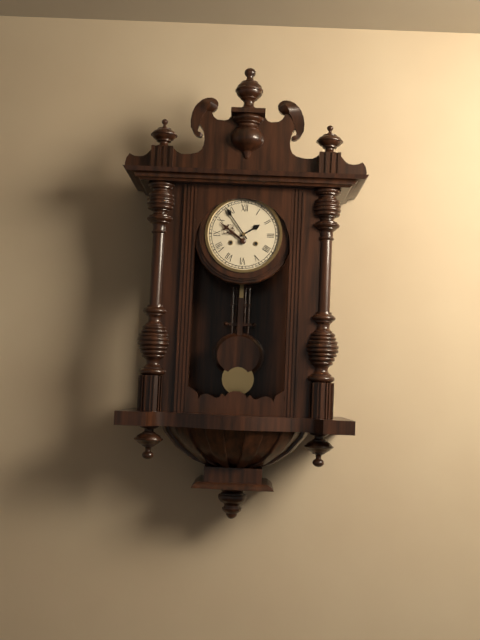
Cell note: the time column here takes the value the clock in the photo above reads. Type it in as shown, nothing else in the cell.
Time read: 1:54
